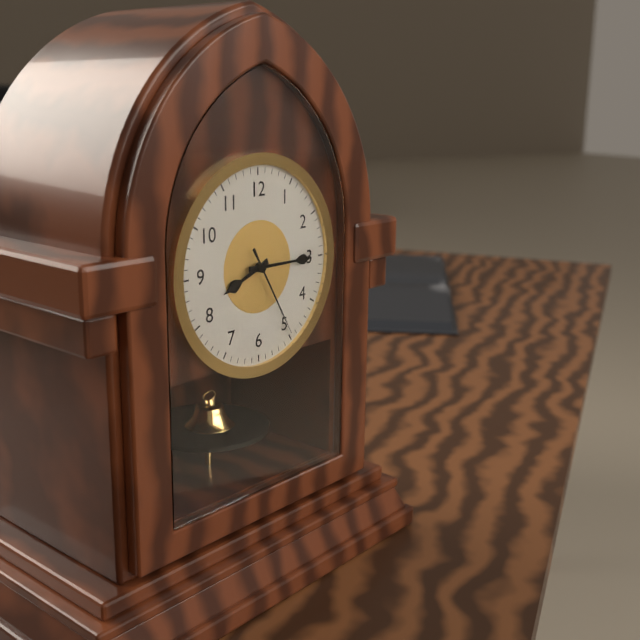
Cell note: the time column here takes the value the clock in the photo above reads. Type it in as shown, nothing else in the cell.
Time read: 8:15:25
